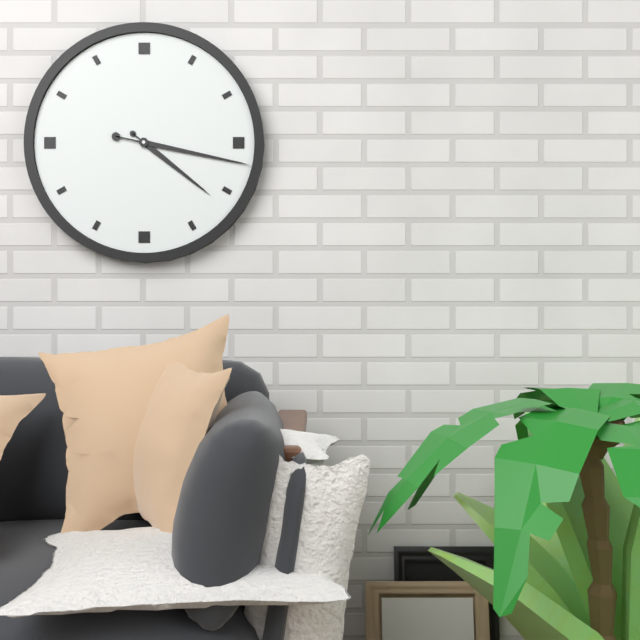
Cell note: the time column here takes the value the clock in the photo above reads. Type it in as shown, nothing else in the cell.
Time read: 4:17
